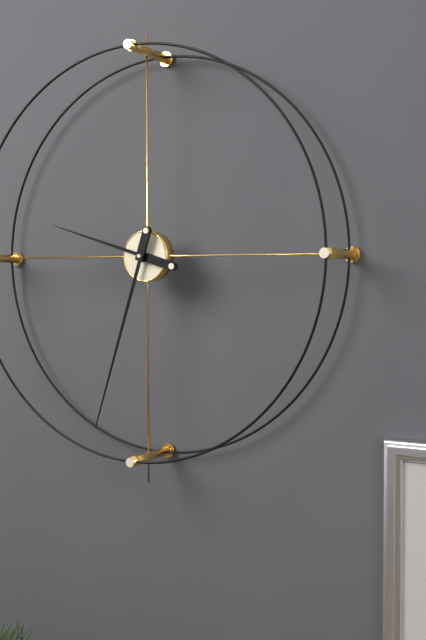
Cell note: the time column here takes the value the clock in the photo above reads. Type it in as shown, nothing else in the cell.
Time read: 9:33
